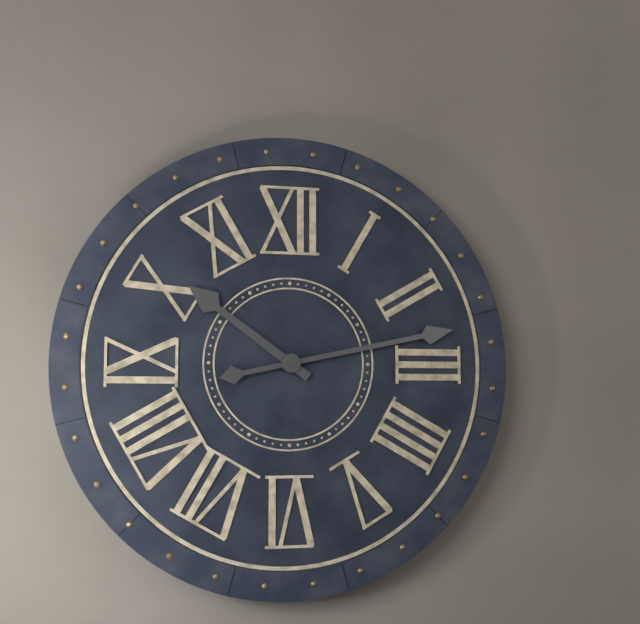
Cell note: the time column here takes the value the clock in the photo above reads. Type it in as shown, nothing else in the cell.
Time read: 10:13
